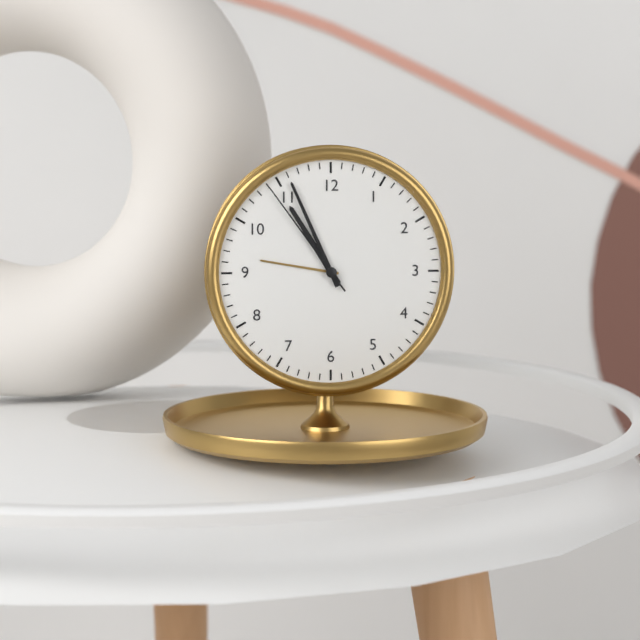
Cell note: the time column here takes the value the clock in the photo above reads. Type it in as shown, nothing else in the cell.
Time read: 10:56:54
